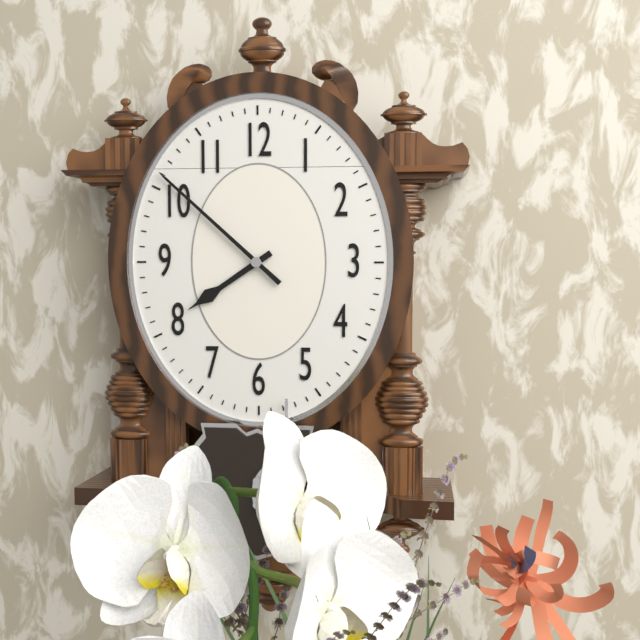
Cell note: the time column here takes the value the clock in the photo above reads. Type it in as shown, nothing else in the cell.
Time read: 7:52
